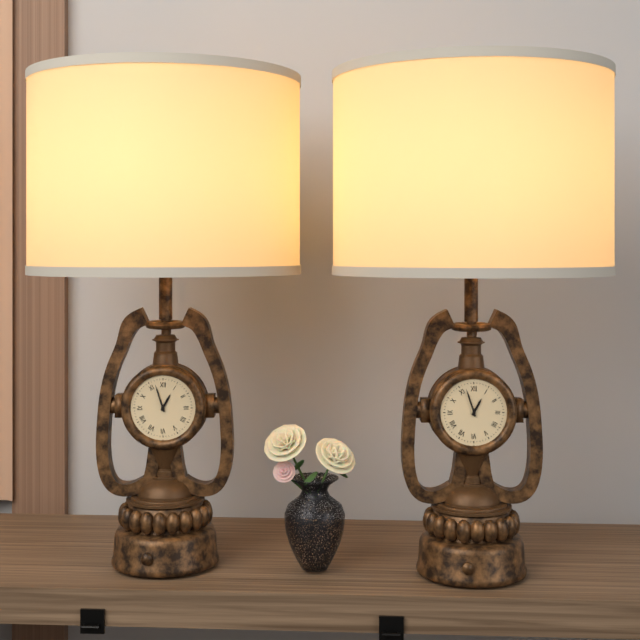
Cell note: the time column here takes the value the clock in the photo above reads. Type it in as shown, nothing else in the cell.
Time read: 12:57
